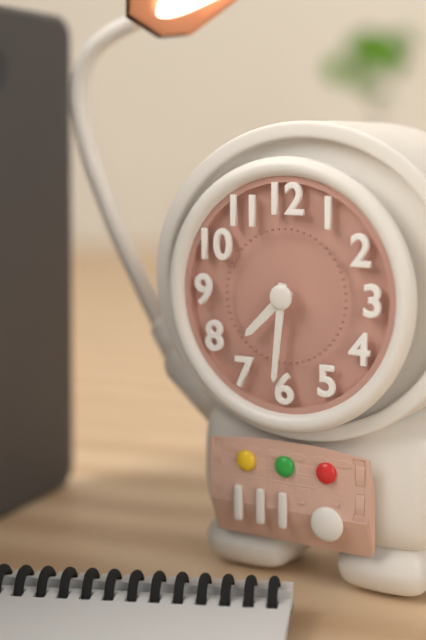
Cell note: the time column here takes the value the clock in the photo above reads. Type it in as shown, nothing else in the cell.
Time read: 7:31
